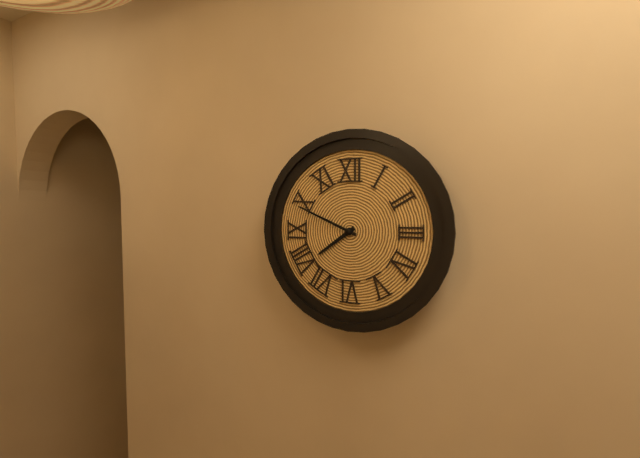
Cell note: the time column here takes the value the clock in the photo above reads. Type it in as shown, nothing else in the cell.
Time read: 7:49
